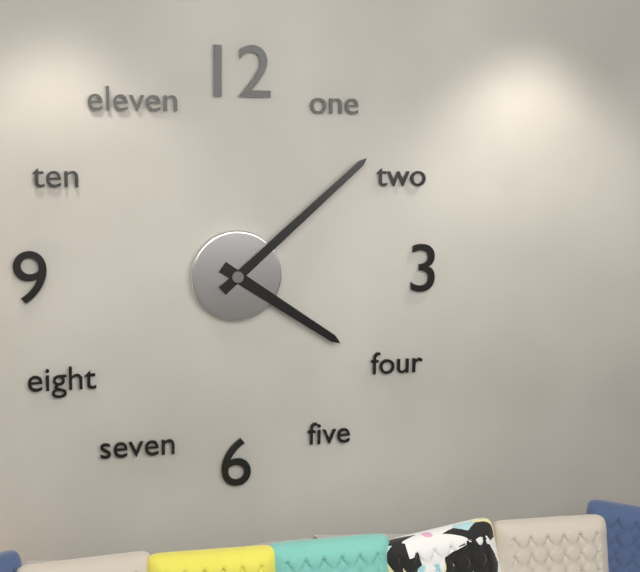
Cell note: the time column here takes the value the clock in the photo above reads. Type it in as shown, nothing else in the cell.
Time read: 4:08
